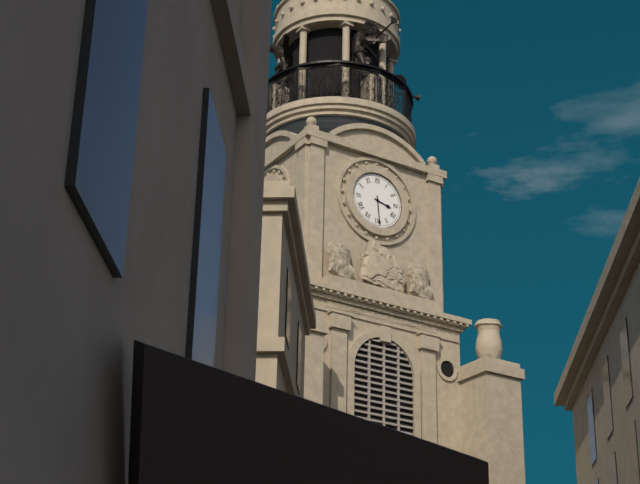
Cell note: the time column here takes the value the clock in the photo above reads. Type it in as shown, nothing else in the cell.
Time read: 3:29
